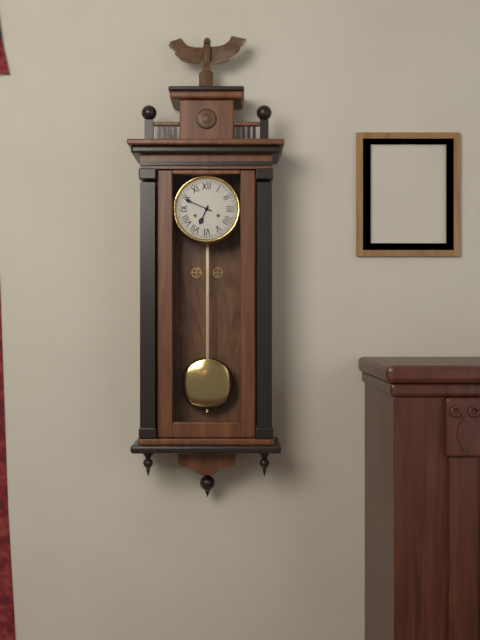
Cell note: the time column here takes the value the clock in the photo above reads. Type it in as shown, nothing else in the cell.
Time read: 6:49
